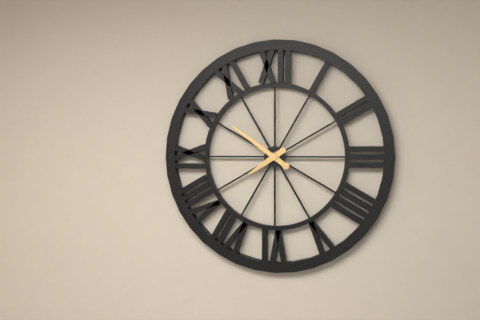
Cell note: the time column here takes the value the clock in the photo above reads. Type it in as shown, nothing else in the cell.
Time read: 7:51
